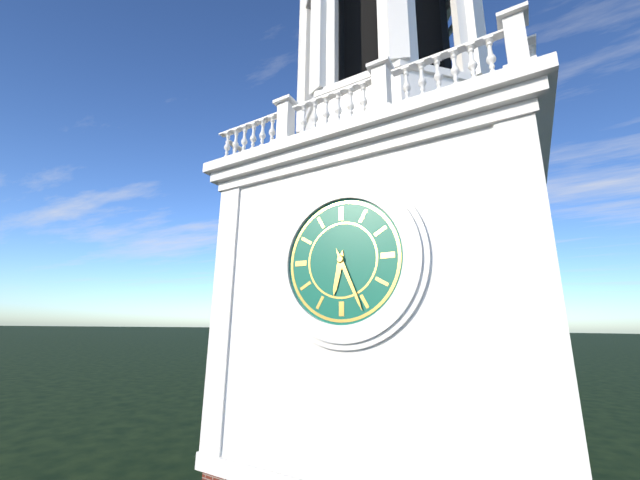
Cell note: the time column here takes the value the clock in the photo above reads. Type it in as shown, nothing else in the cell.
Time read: 6:26
